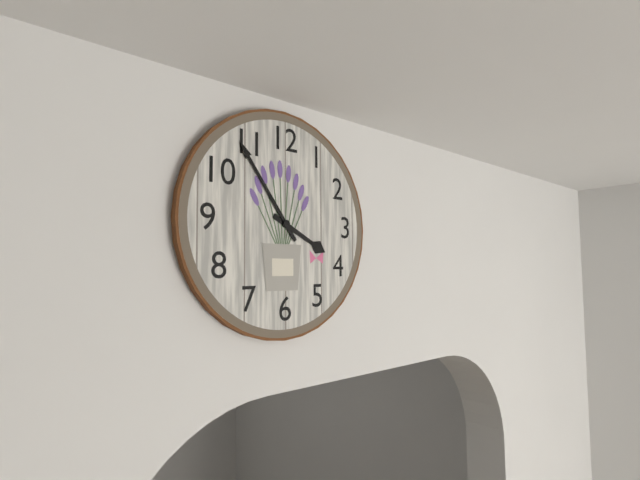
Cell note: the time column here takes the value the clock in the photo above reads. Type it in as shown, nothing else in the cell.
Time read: 3:54
